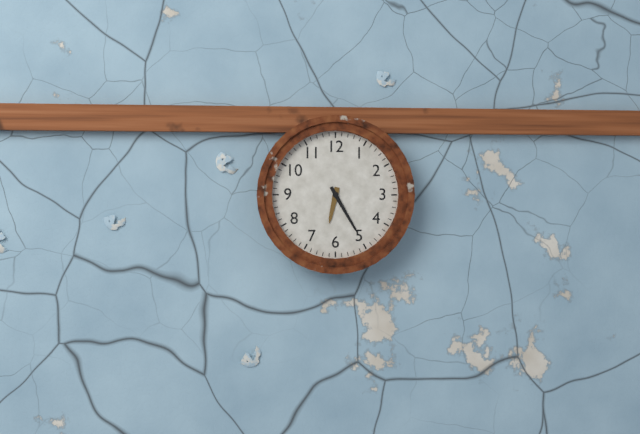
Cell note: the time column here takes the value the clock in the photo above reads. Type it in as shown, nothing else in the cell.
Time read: 6:25
